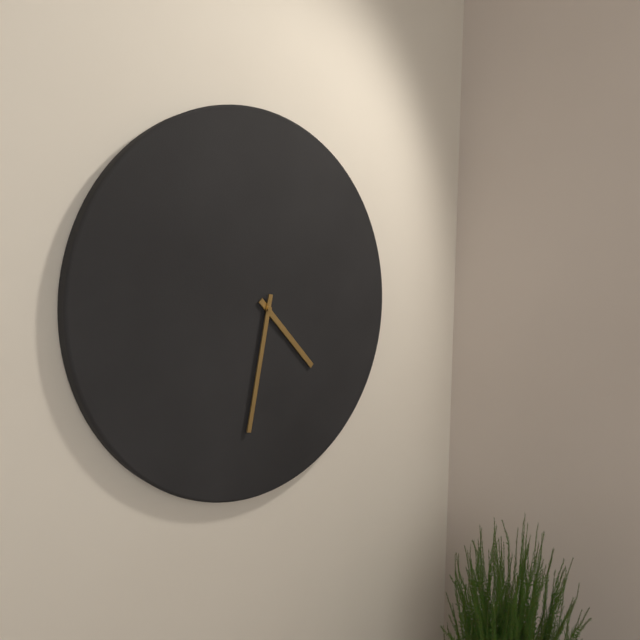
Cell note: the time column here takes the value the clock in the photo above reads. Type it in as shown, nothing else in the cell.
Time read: 4:32
